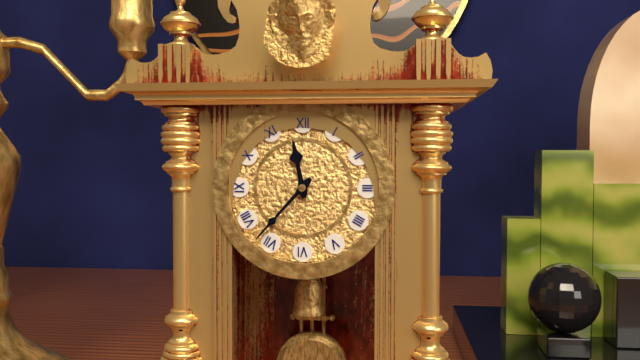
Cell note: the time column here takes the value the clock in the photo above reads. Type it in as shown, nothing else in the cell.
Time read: 11:37
